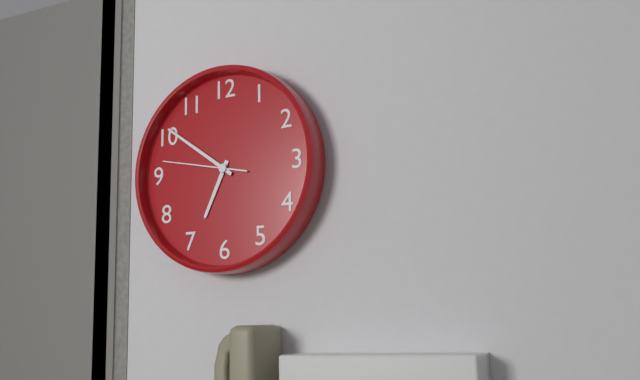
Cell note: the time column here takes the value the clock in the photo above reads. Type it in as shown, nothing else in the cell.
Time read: 6:51:47
